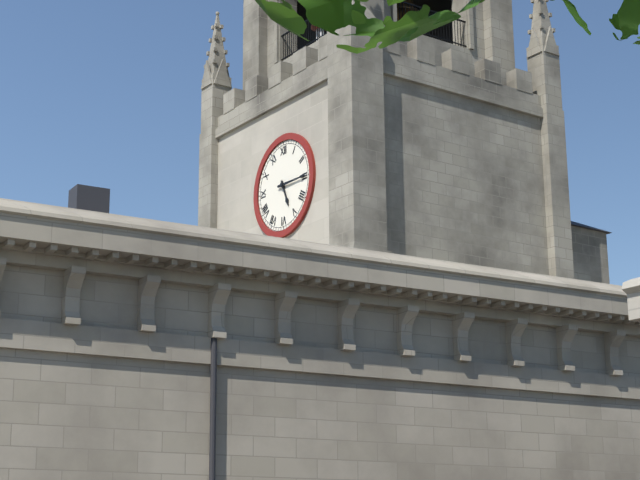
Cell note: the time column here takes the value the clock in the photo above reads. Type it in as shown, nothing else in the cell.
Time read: 5:15
